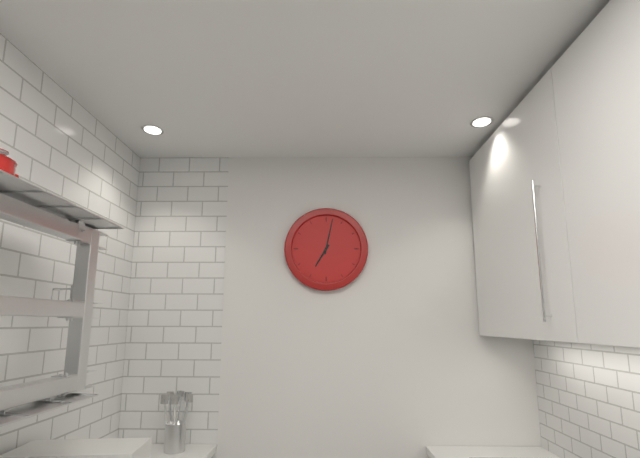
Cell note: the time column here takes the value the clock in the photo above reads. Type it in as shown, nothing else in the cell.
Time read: 7:02
